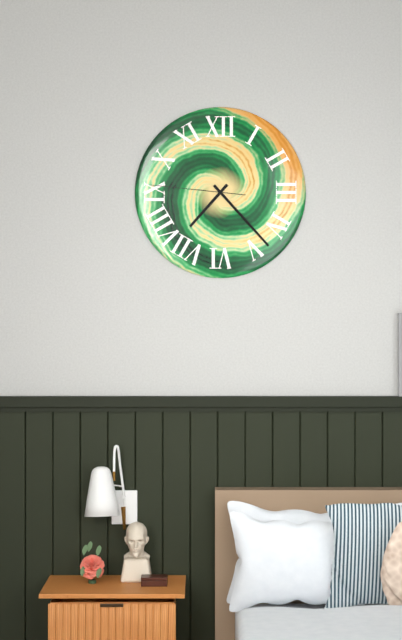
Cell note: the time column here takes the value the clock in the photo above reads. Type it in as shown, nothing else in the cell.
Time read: 7:23:46
